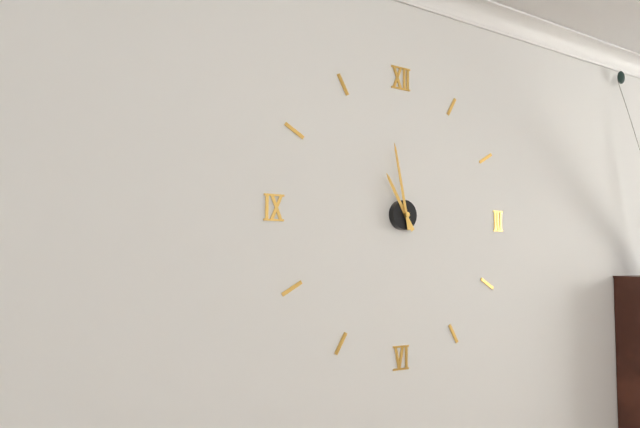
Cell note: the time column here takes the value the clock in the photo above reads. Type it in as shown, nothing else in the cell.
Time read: 10:58
